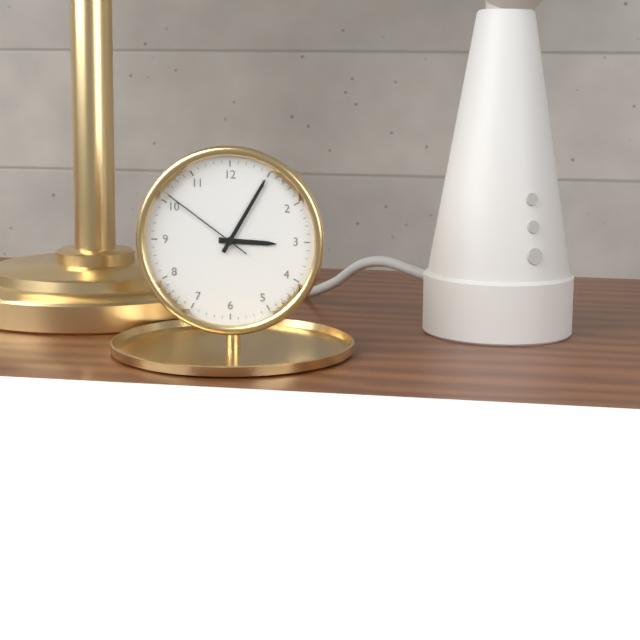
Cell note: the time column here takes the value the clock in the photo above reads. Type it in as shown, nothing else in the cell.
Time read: 3:05:51
